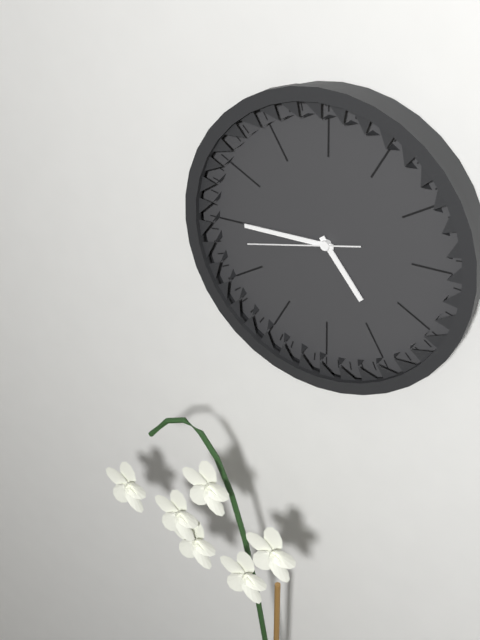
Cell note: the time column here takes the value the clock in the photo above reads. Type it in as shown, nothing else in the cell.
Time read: 4:45:43
